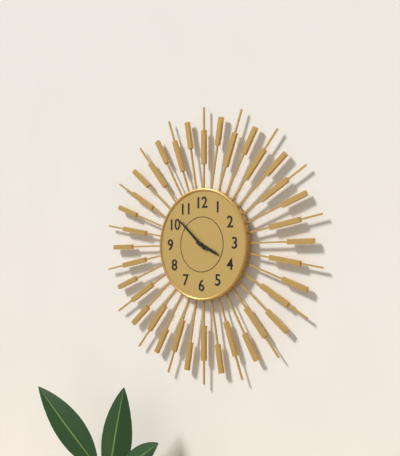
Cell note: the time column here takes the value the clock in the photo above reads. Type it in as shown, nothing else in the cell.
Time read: 3:52
